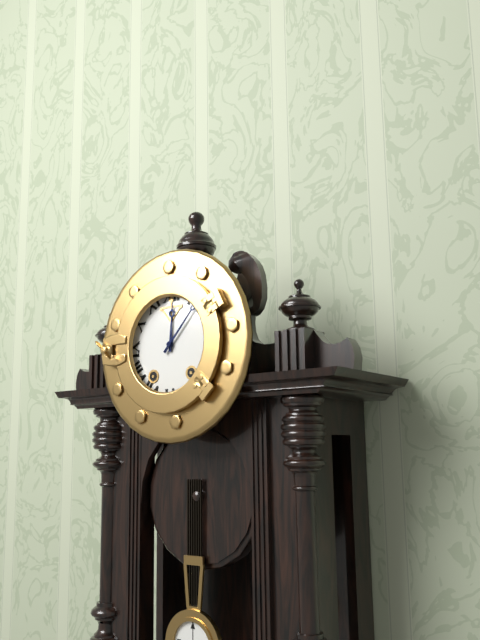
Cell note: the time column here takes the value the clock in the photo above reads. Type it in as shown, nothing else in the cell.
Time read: 12:07
